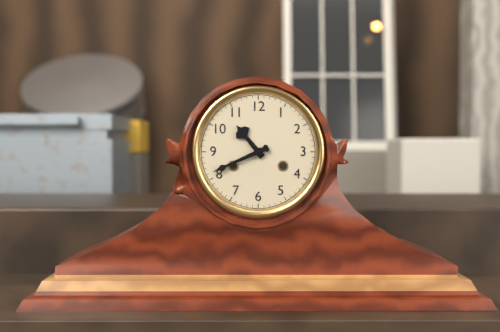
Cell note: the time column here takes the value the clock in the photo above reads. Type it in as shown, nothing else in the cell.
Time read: 10:41
